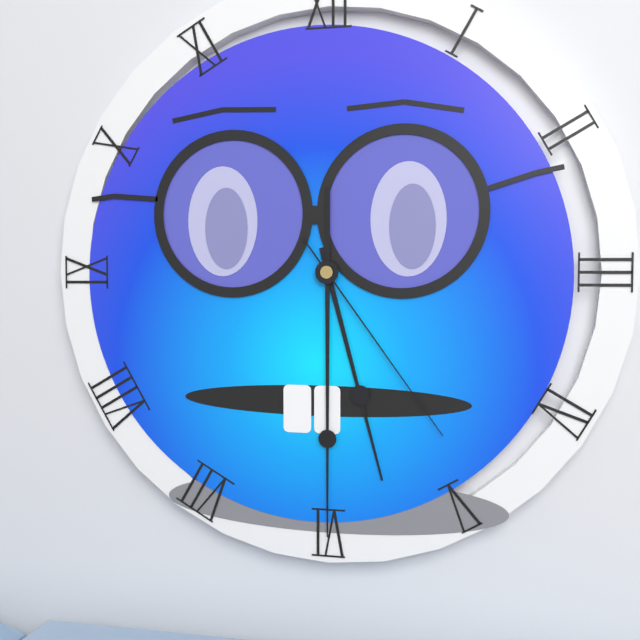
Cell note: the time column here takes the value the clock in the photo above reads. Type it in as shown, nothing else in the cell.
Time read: 5:30:24
